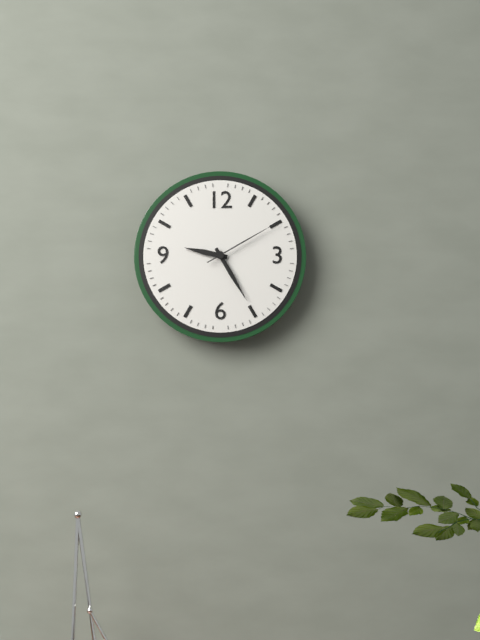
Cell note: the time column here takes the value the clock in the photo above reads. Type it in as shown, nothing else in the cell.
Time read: 9:25:10
